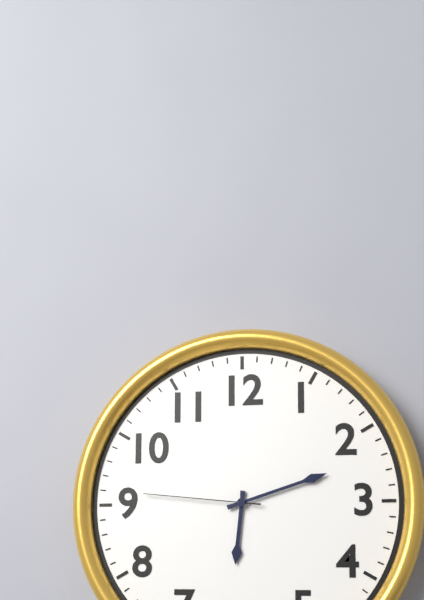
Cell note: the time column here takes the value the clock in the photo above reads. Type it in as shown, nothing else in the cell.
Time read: 6:12:46
